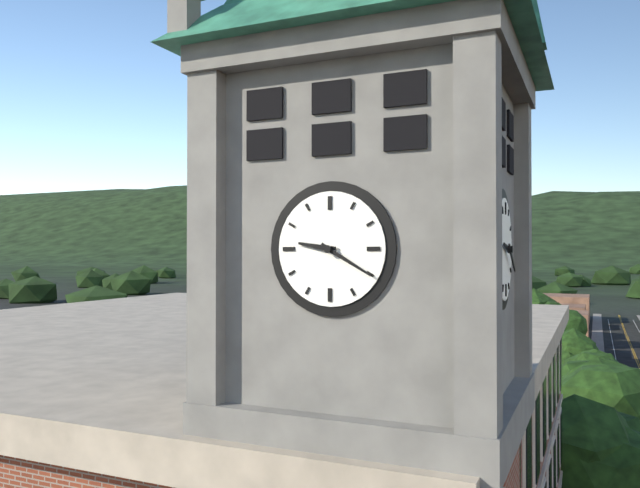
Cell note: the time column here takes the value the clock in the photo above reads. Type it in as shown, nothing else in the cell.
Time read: 9:20
